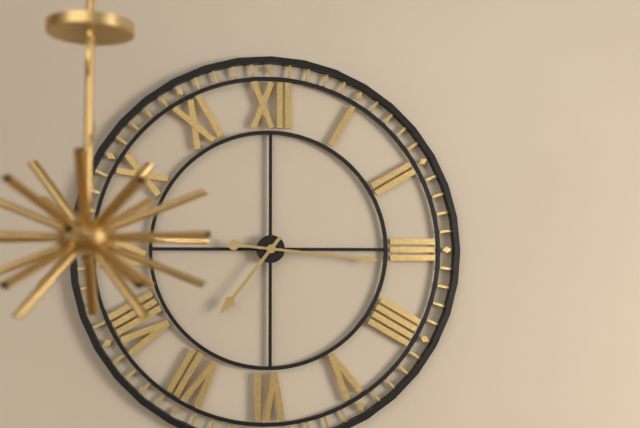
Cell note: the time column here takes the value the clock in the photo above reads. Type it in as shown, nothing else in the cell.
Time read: 7:16
